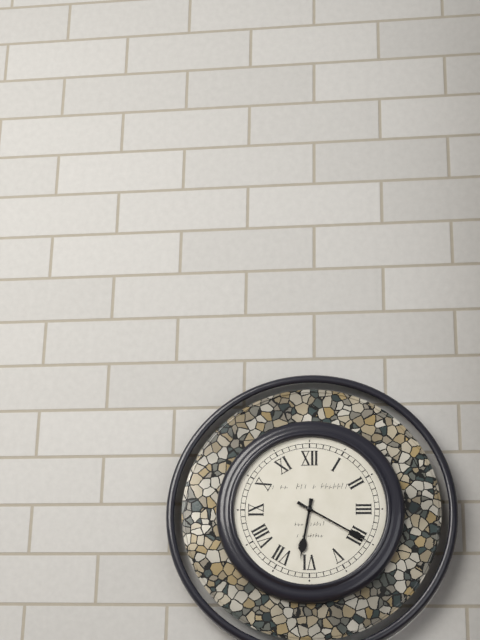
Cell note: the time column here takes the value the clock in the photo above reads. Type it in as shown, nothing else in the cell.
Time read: 6:20
